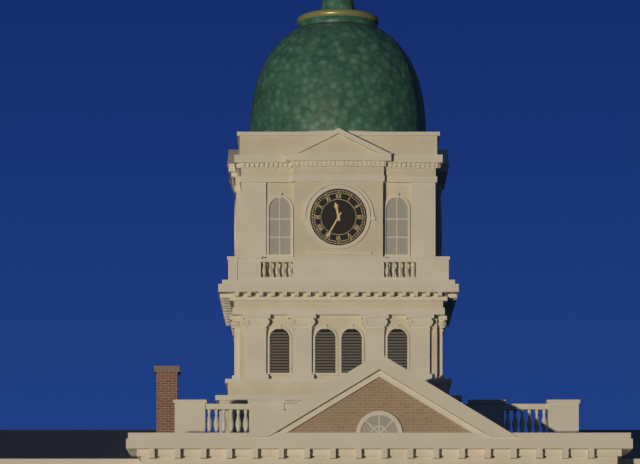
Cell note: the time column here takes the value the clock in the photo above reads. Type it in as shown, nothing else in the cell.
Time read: 11:35
